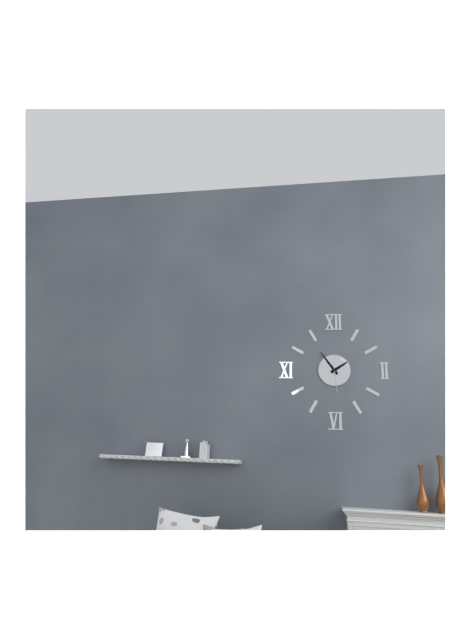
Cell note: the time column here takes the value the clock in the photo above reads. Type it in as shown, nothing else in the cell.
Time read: 1:54
